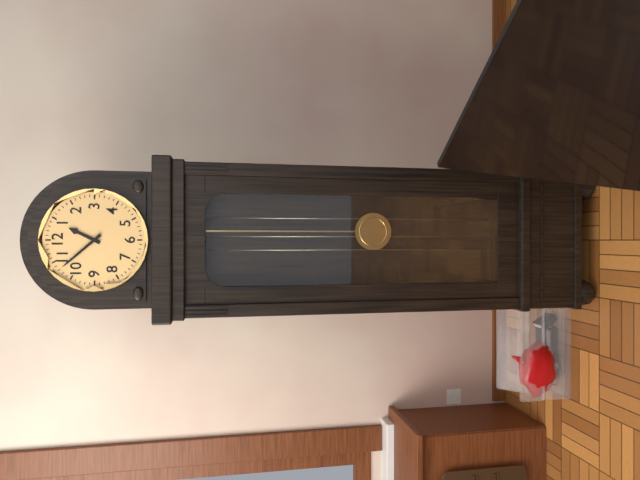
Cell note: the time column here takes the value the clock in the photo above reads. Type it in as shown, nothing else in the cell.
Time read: 12:53
